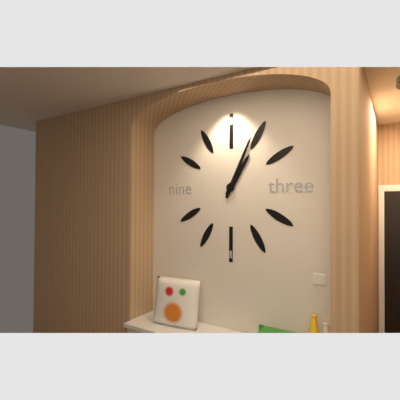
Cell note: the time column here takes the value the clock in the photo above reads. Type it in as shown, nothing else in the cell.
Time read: 1:04
